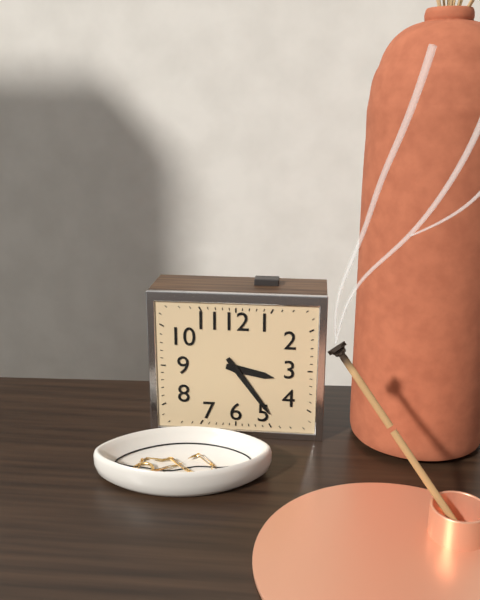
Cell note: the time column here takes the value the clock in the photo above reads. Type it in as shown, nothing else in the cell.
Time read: 3:24
